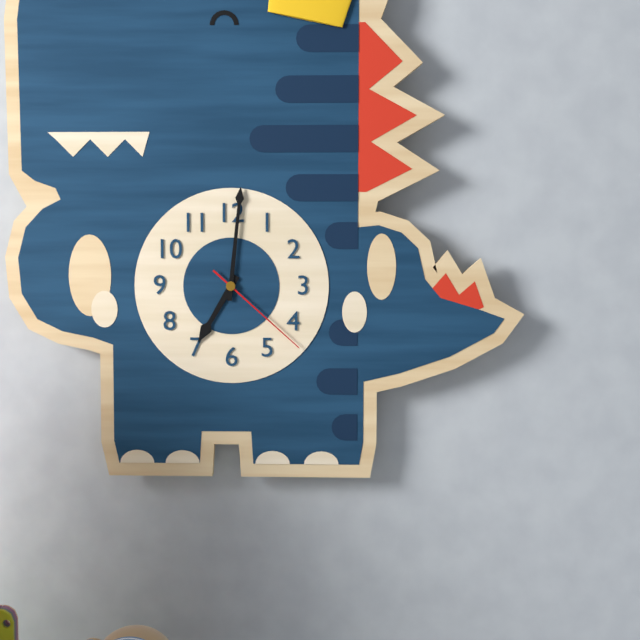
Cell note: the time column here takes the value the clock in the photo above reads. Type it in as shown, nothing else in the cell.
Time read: 7:01:22
